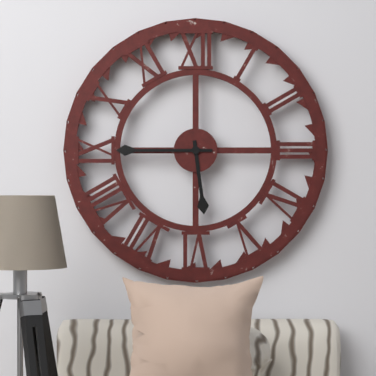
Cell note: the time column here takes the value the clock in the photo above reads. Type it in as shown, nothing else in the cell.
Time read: 5:45
